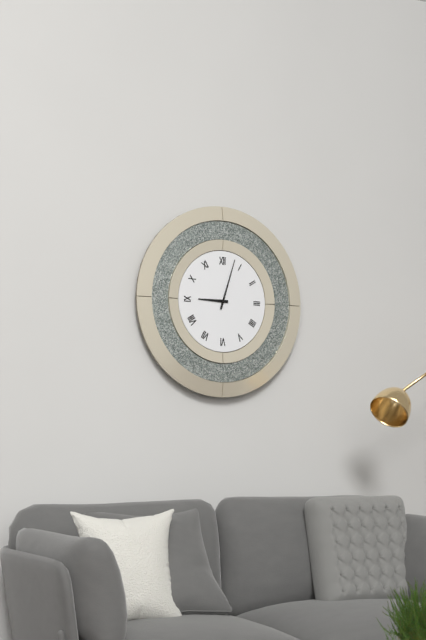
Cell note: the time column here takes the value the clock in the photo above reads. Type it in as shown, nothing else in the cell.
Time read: 9:03
